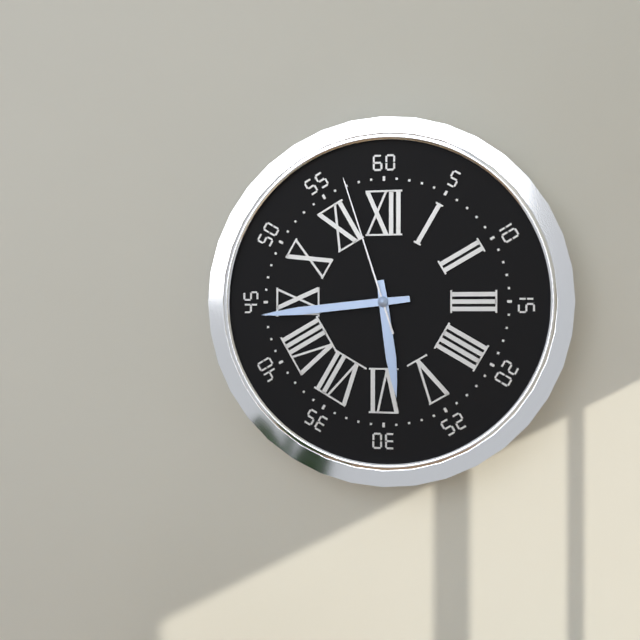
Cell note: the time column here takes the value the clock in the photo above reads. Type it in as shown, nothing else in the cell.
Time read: 5:44:57
